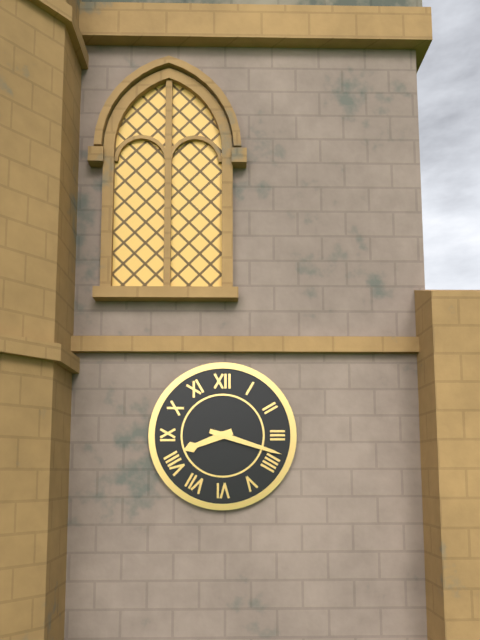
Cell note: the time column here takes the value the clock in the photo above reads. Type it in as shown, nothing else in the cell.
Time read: 8:18
